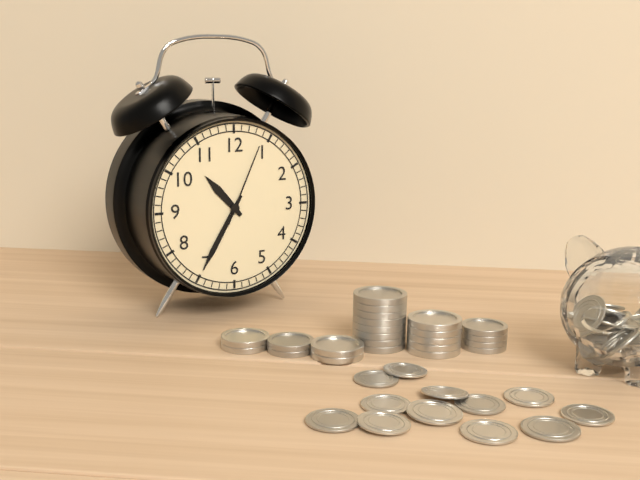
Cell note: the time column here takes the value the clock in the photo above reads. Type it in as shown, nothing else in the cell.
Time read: 10:35:04
